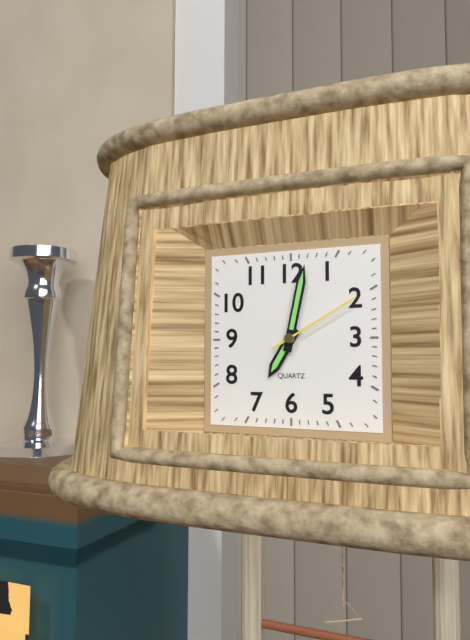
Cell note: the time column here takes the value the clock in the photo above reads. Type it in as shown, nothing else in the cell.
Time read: 7:02:10
